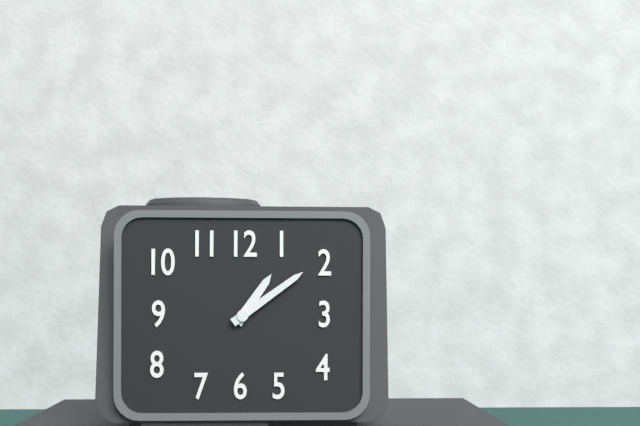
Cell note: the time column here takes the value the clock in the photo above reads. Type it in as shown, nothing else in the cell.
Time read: 1:09
